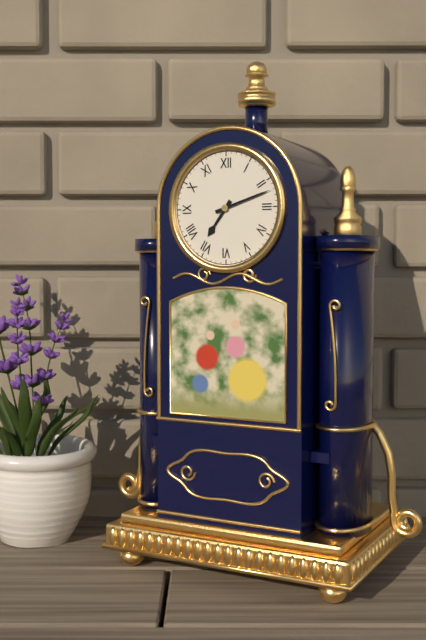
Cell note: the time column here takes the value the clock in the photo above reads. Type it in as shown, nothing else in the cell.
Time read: 7:12
